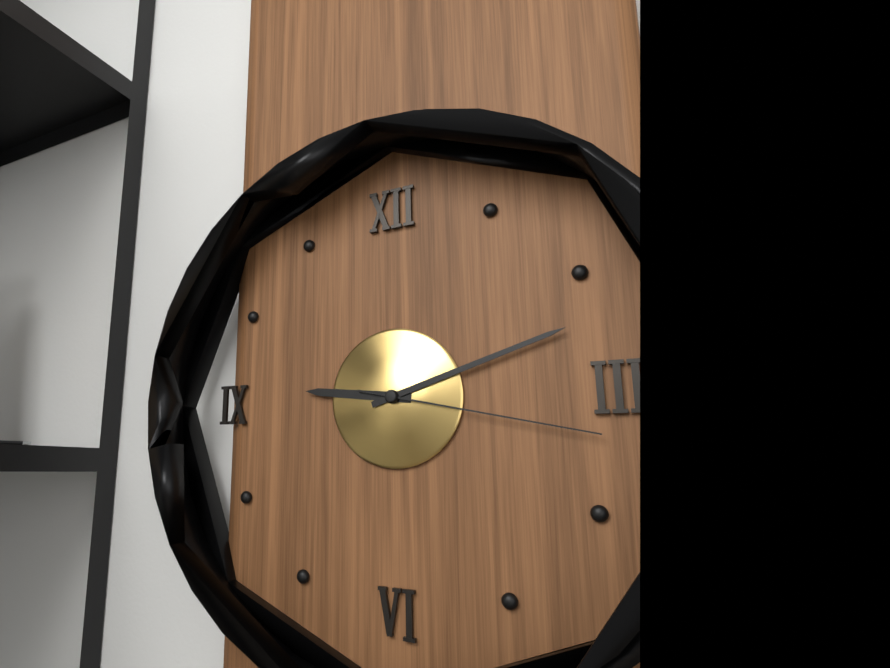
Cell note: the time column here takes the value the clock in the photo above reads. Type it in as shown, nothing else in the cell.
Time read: 9:12:17
